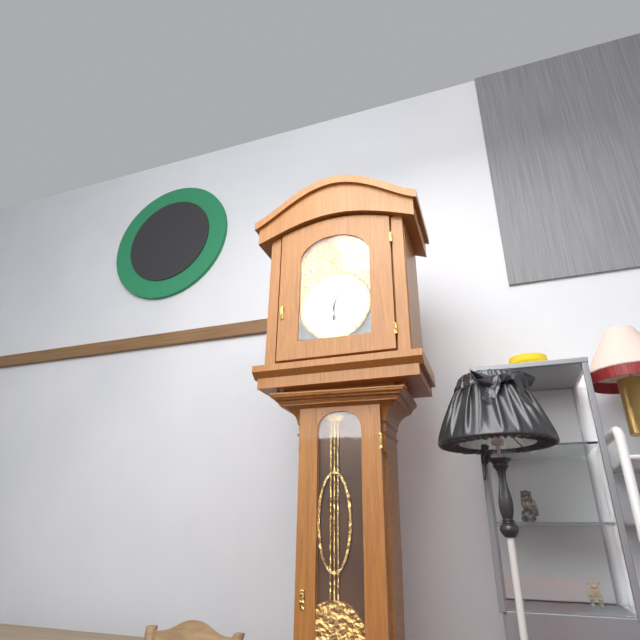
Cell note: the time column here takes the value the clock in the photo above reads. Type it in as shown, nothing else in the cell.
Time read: 6:03
